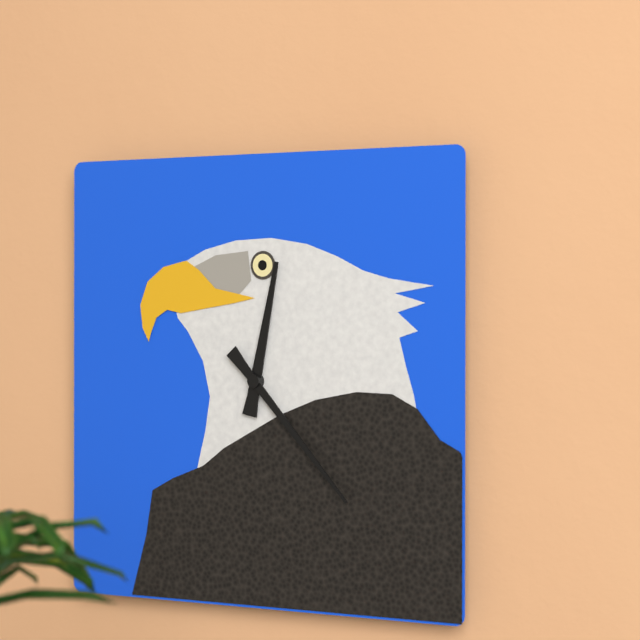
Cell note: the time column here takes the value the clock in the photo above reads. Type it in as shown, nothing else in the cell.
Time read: 12:23
